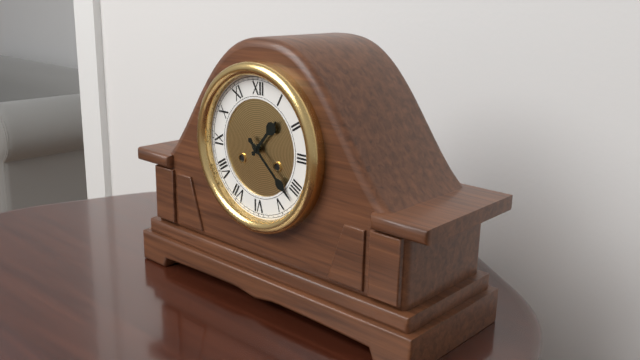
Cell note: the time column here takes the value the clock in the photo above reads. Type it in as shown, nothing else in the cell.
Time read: 1:22
